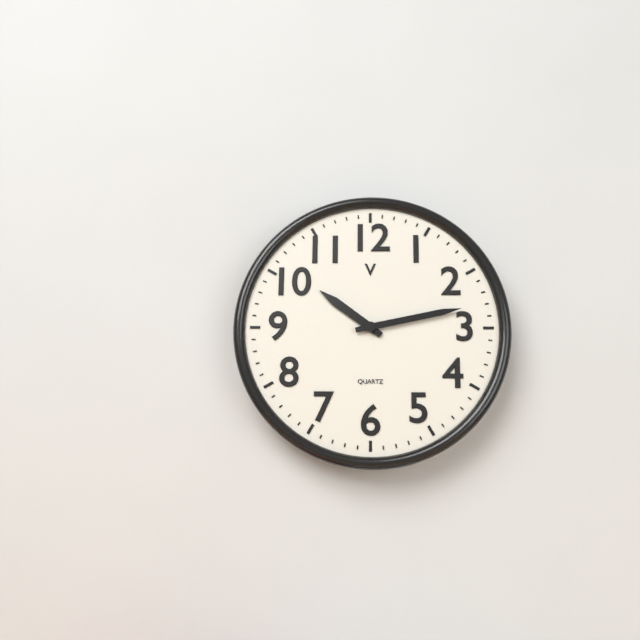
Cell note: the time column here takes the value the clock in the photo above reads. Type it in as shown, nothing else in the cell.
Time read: 10:13
